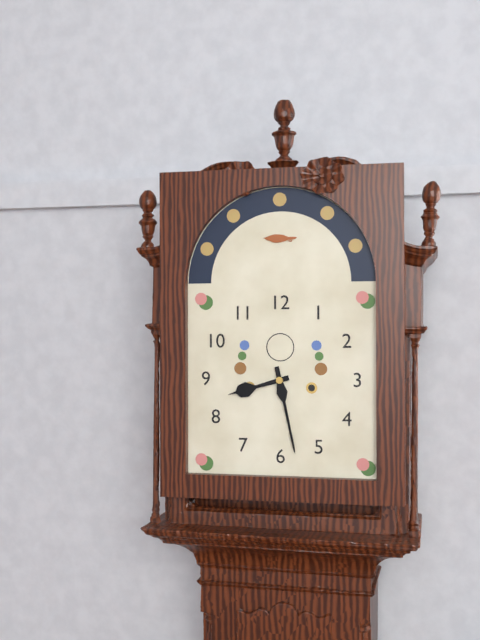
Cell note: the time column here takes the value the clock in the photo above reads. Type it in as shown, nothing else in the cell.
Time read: 8:28
